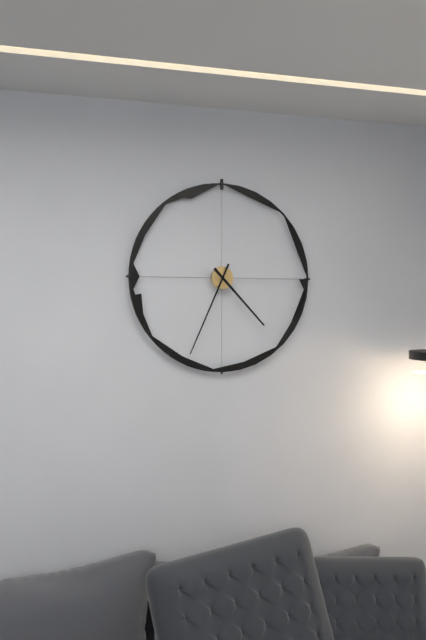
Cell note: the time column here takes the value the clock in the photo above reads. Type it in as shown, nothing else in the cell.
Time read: 4:34
